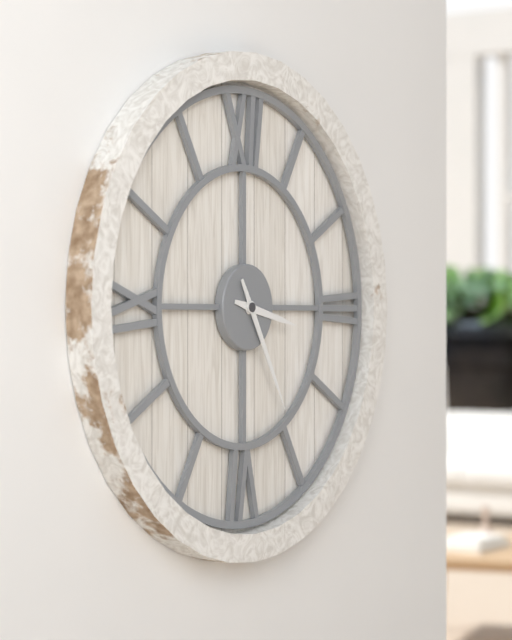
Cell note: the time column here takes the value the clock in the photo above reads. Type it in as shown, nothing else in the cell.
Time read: 3:25
